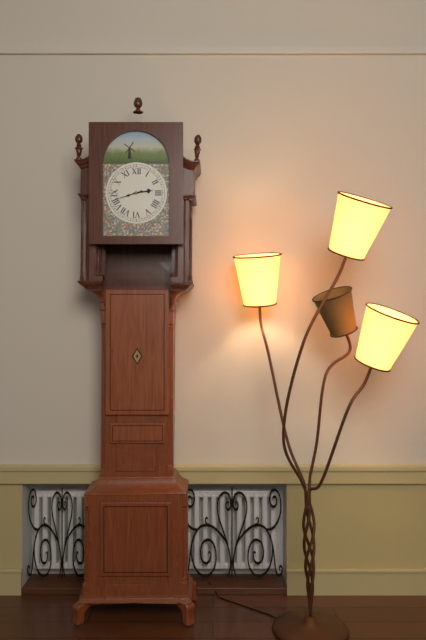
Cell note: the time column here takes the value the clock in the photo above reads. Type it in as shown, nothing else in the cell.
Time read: 2:42
